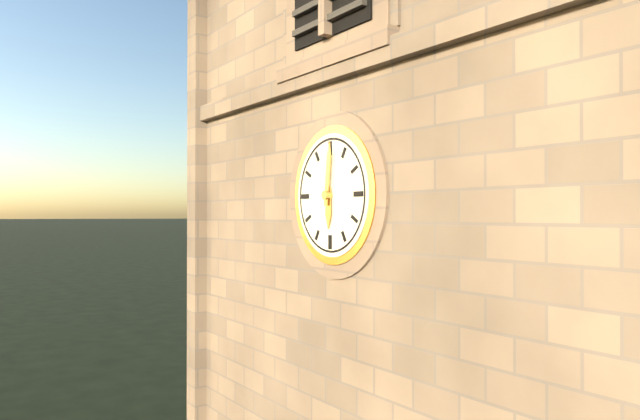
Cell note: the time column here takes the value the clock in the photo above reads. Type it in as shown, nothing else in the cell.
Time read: 6:01
